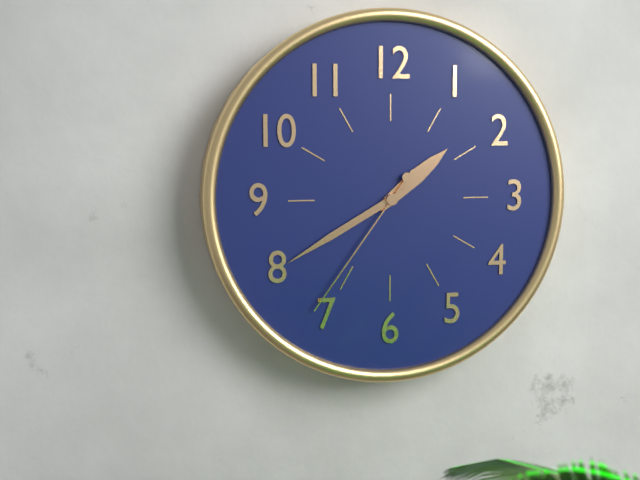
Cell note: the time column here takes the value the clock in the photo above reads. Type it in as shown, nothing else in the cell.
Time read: 1:40:36
